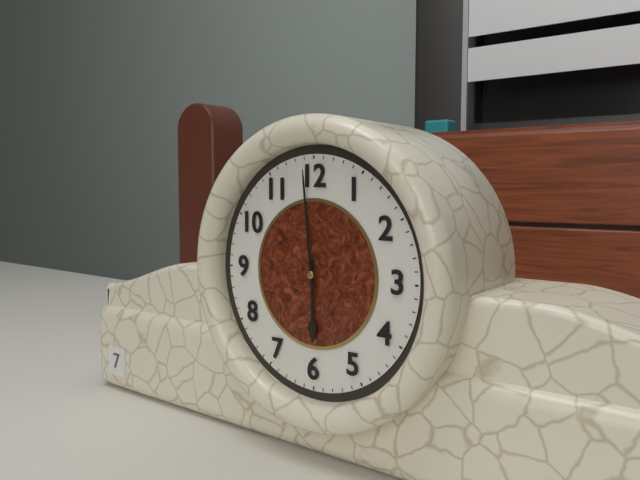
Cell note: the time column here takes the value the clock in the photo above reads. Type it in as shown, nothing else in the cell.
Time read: 5:59
